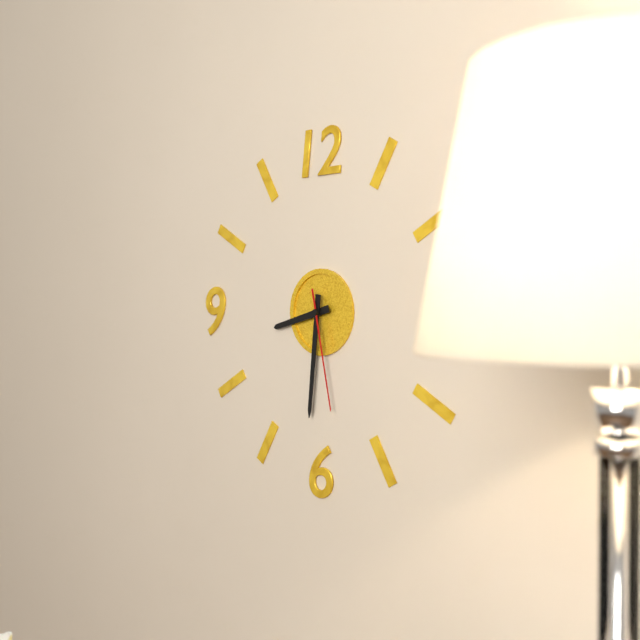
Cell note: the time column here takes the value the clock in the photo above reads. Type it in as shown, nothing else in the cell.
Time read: 8:31:28
